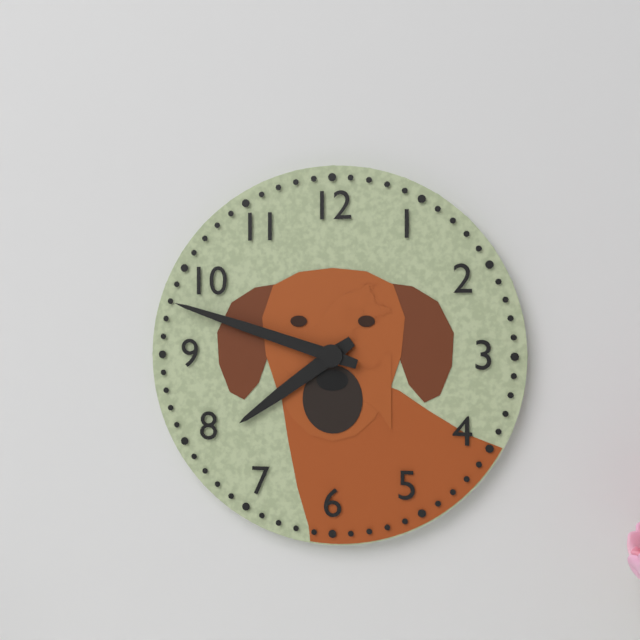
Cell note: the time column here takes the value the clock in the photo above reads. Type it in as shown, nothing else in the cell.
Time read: 7:48
